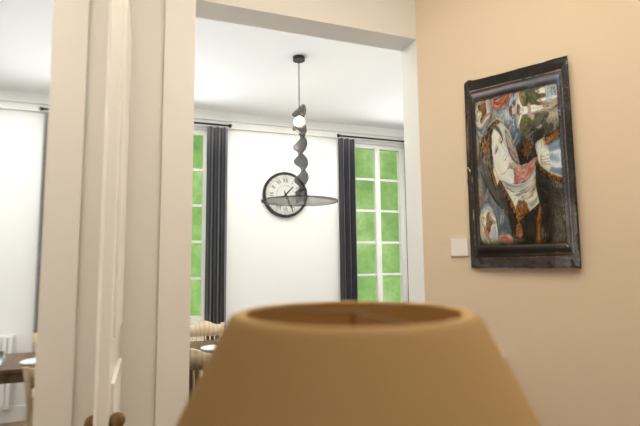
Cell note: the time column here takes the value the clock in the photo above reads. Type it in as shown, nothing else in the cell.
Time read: 1:26
